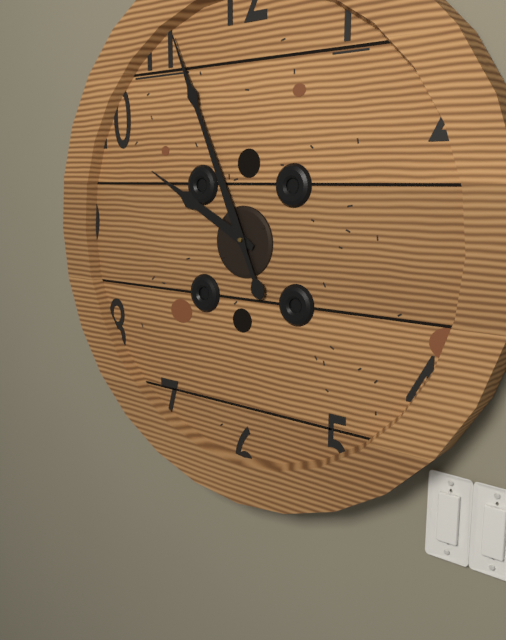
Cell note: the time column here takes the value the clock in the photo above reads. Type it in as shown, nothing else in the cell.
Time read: 9:56
